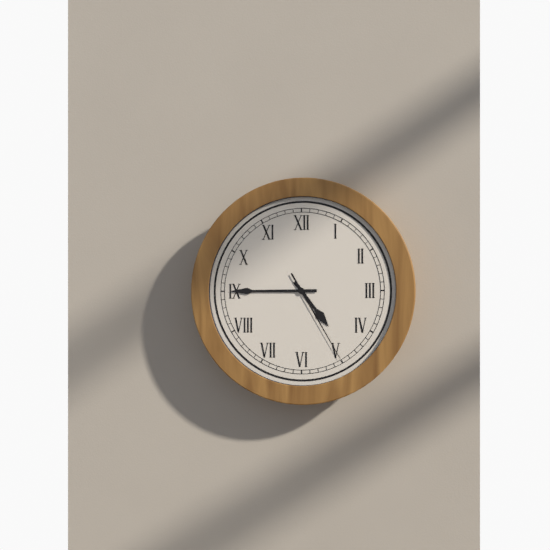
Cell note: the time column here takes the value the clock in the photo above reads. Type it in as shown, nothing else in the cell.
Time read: 4:45:25
